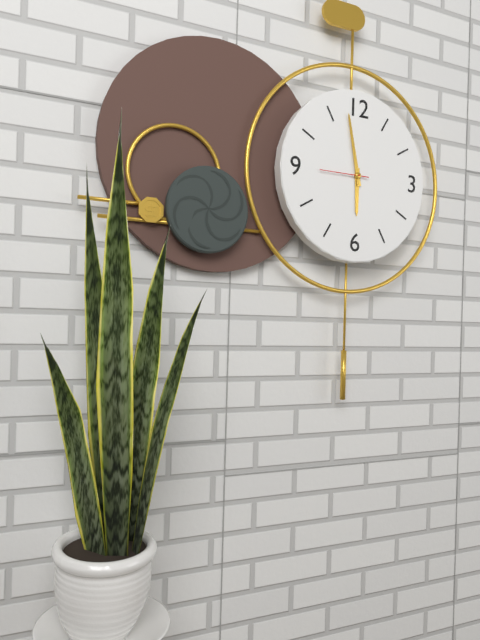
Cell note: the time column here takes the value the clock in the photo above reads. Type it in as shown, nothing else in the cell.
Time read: 5:58
